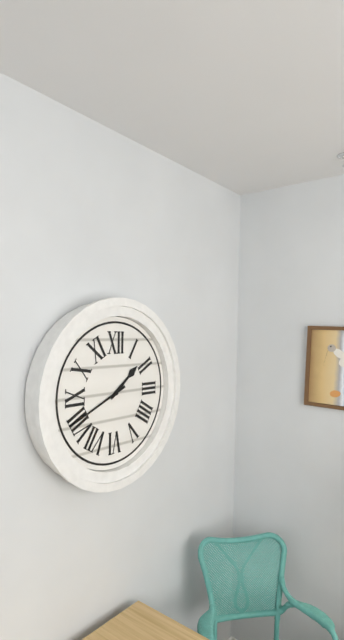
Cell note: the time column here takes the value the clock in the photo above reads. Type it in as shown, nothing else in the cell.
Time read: 1:41
